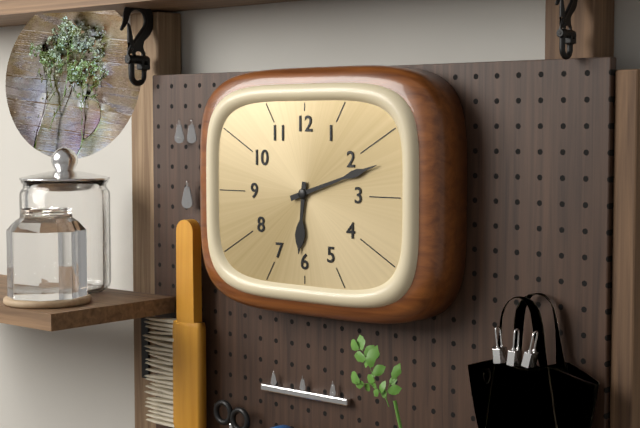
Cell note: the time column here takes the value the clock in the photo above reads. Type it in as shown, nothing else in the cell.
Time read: 6:12
